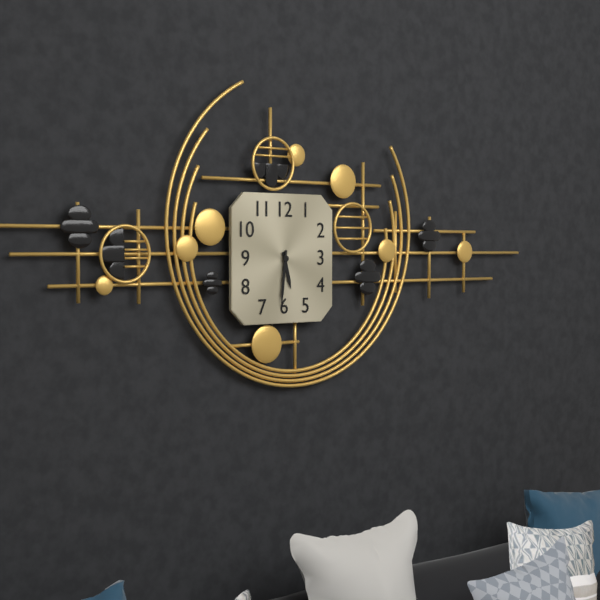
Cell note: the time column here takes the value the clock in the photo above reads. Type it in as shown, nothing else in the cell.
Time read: 5:31
